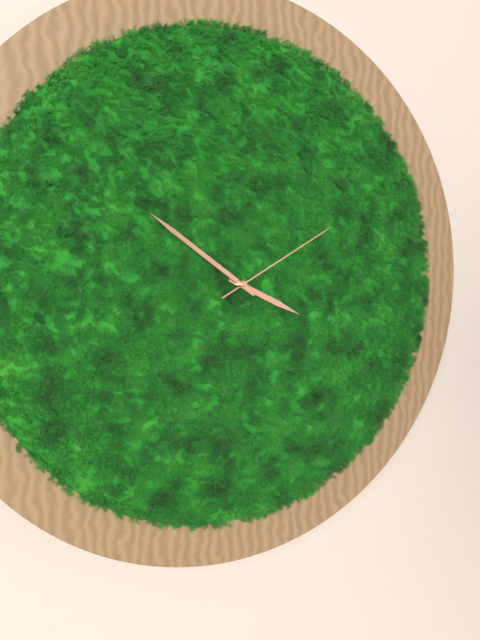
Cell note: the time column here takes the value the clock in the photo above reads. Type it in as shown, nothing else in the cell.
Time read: 3:51:10
